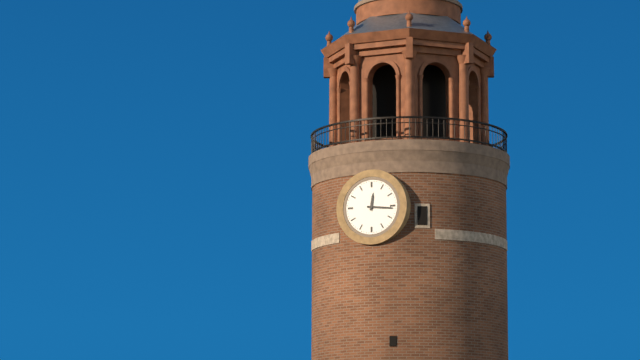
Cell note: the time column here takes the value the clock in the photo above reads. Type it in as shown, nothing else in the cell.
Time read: 12:16
